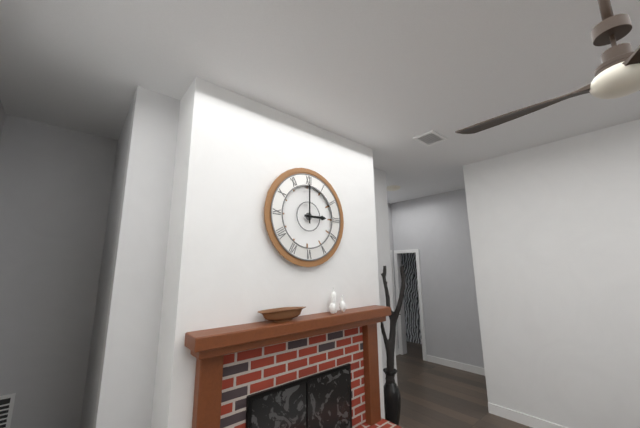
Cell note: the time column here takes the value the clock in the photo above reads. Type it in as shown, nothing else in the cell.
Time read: 3:00
